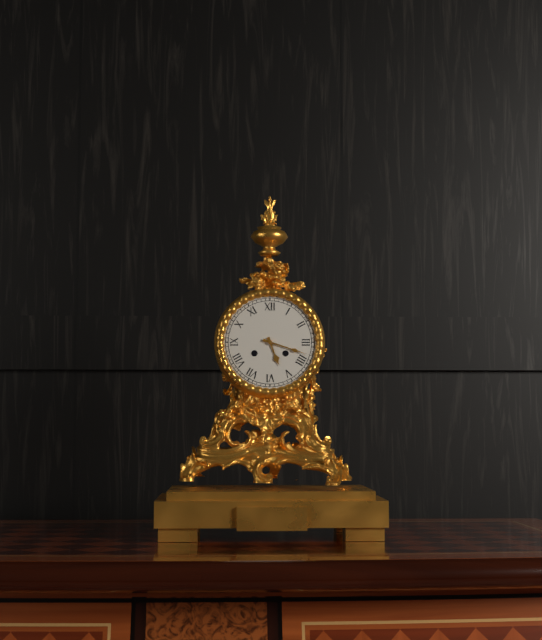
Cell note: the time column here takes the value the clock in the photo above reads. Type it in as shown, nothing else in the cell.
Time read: 5:18
